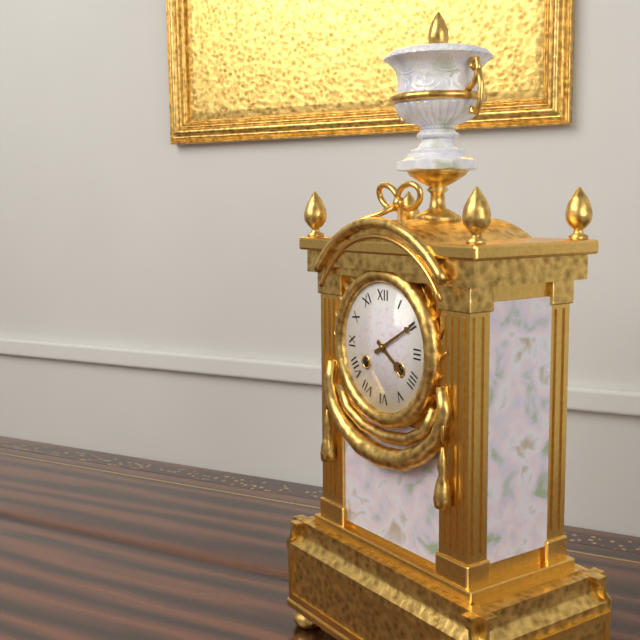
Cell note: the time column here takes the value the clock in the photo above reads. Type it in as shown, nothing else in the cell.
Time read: 4:10
